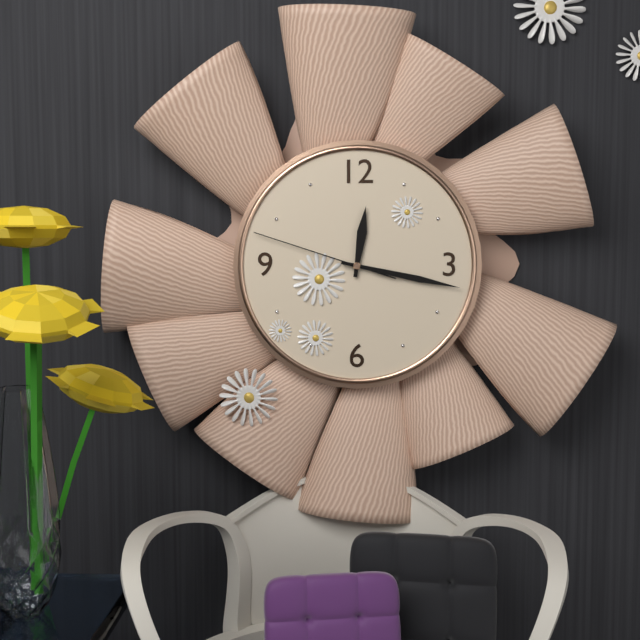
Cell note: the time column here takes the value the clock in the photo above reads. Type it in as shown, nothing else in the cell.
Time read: 12:17:48
